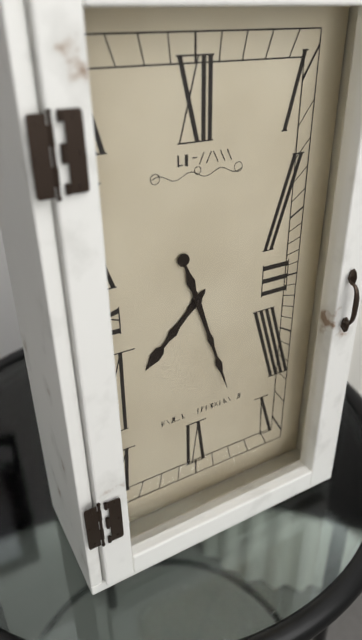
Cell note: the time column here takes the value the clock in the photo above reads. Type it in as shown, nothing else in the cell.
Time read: 7:27
